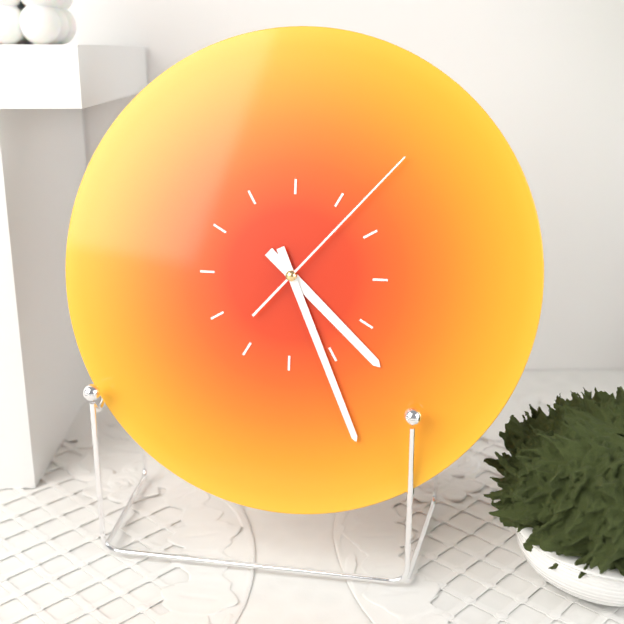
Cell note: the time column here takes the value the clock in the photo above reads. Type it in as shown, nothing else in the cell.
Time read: 4:26:07
